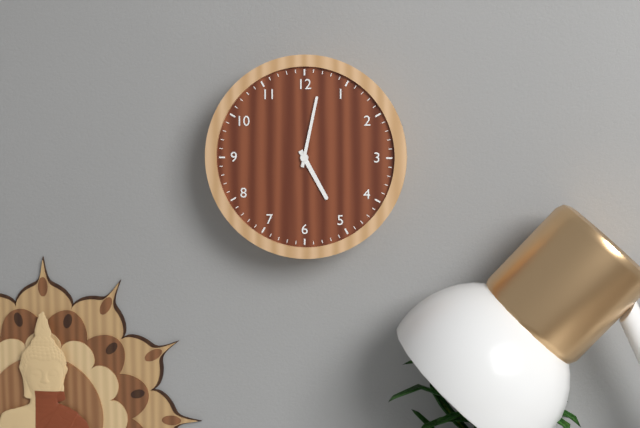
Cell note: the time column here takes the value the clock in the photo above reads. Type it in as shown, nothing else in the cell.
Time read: 5:02
